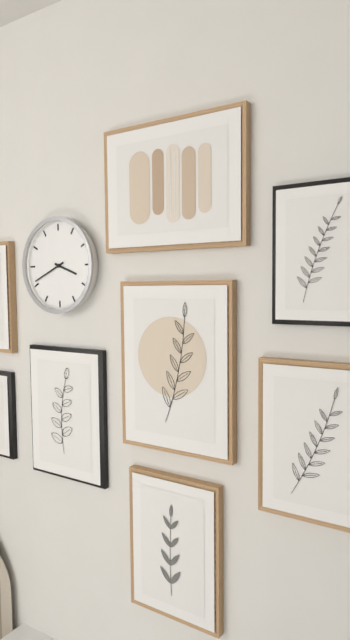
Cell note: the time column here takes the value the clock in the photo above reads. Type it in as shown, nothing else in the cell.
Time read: 3:41
